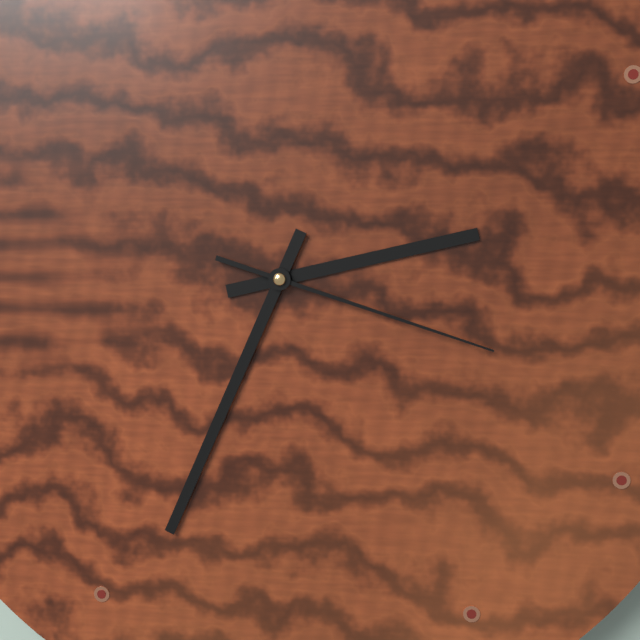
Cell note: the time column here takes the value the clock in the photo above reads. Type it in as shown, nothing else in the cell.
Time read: 2:34:18
